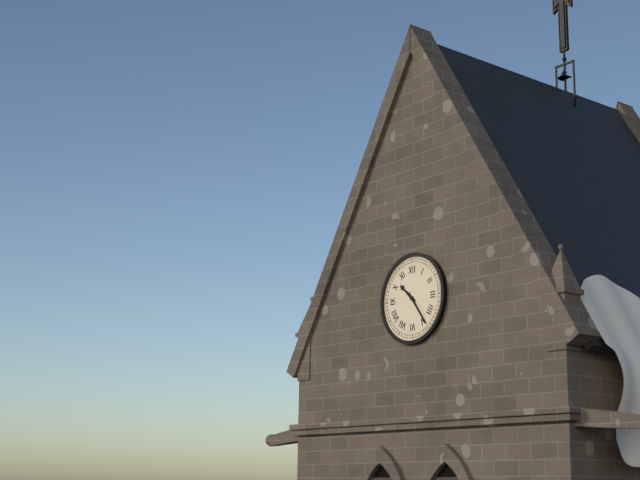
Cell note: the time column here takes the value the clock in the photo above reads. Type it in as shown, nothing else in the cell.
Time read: 10:24
